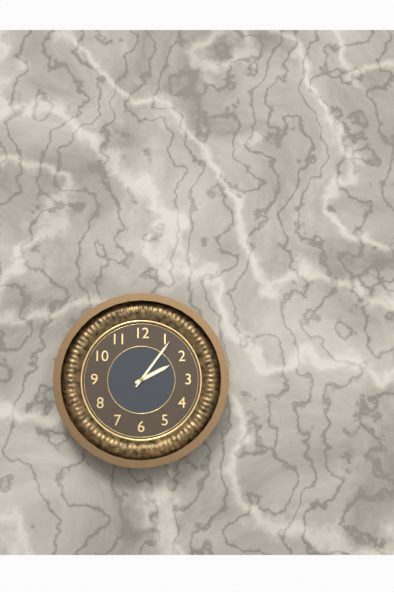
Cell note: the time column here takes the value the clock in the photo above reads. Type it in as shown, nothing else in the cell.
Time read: 2:06
